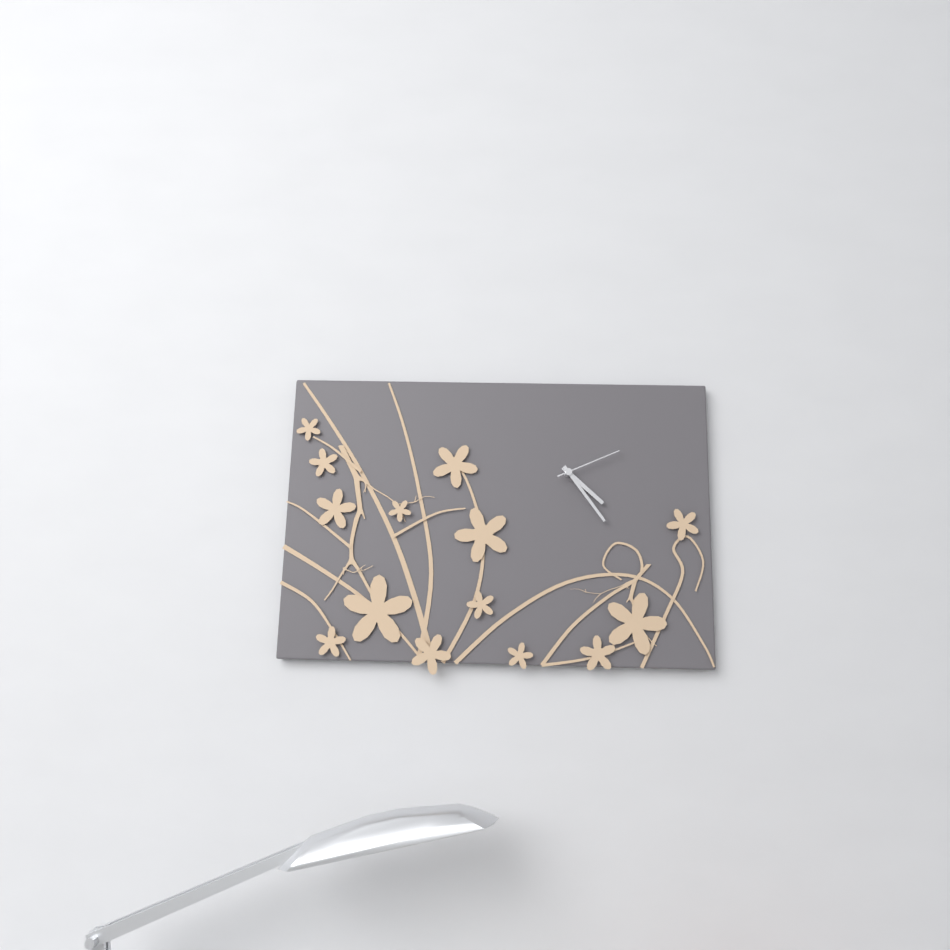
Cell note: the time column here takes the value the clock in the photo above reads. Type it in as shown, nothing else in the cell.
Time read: 4:24:11
